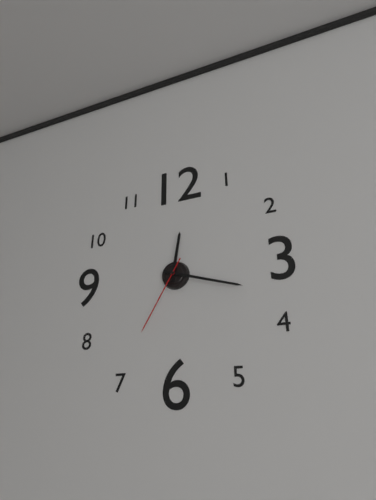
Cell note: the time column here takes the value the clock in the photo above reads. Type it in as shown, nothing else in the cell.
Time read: 12:18:35
